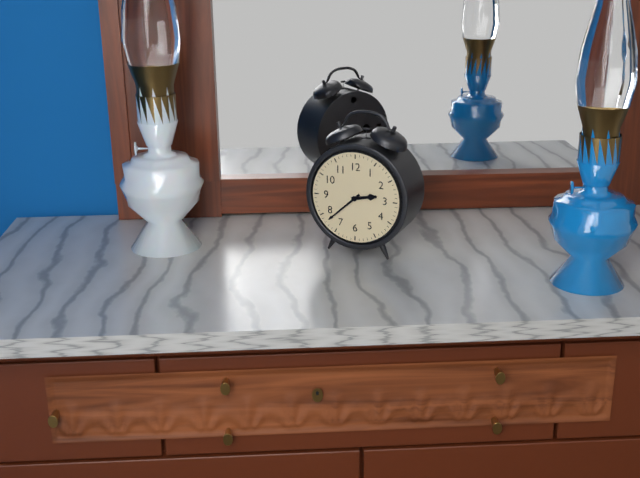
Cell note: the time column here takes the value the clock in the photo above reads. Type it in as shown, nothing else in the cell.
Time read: 2:38
